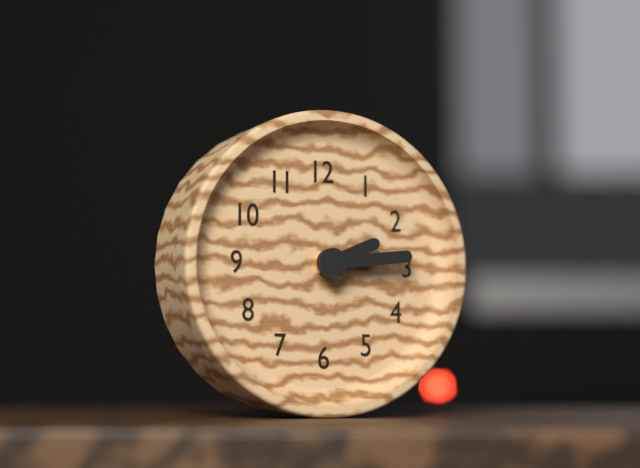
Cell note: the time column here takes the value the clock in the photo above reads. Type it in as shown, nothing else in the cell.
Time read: 2:14
